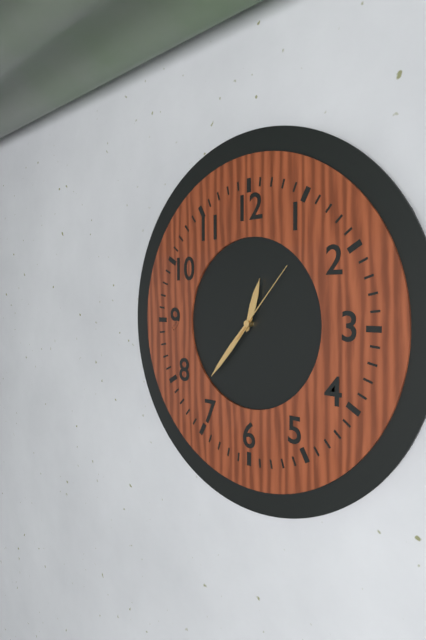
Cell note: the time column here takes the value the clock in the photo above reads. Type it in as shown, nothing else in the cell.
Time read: 12:37:07
